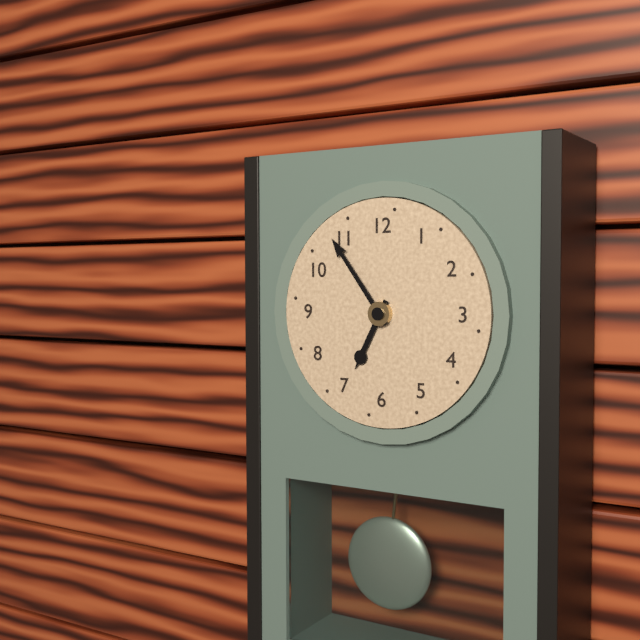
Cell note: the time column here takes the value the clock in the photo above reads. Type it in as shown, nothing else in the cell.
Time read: 6:54
